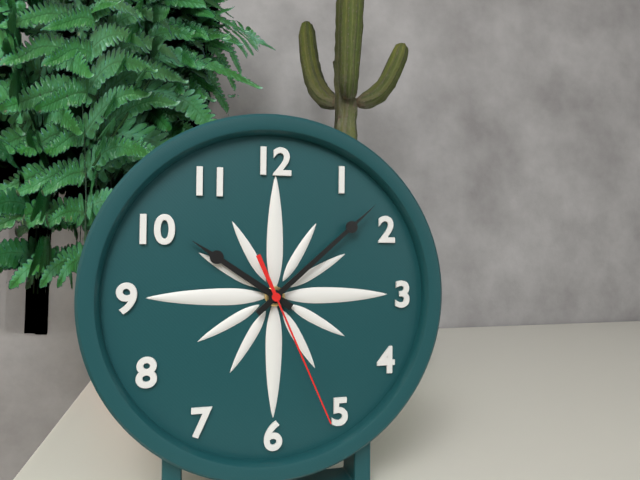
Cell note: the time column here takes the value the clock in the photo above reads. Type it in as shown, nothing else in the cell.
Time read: 10:08:26
